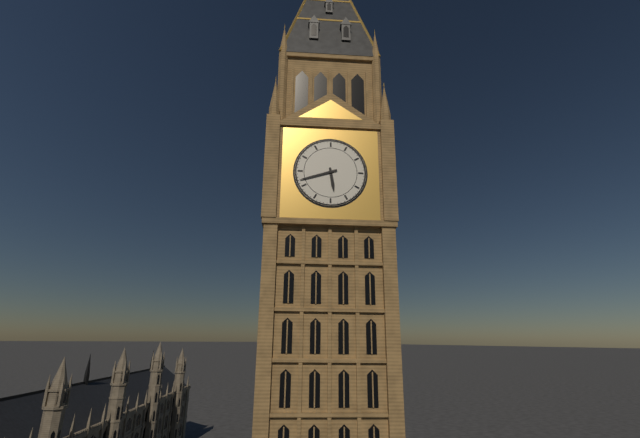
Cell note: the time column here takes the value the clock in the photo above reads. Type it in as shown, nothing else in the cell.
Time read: 5:42
